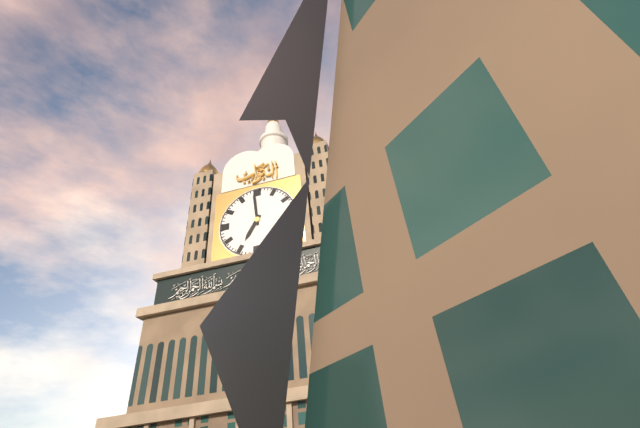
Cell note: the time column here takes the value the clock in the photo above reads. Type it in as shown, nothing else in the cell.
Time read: 6:59
